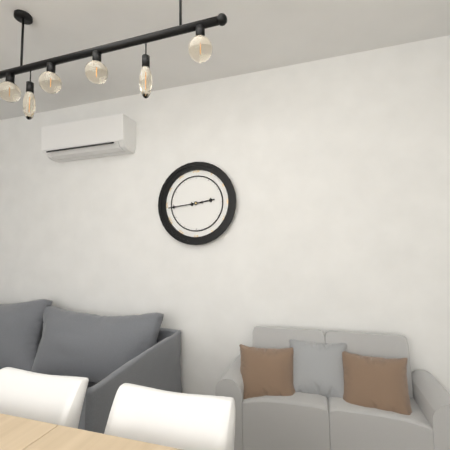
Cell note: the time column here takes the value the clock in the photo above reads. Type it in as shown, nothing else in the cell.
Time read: 2:44
